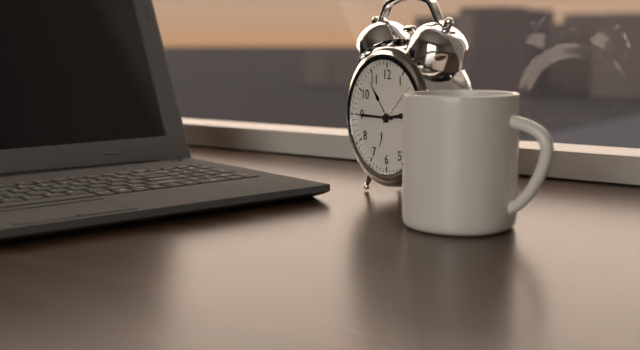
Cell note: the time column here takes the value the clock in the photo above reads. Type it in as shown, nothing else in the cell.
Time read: 2:45
